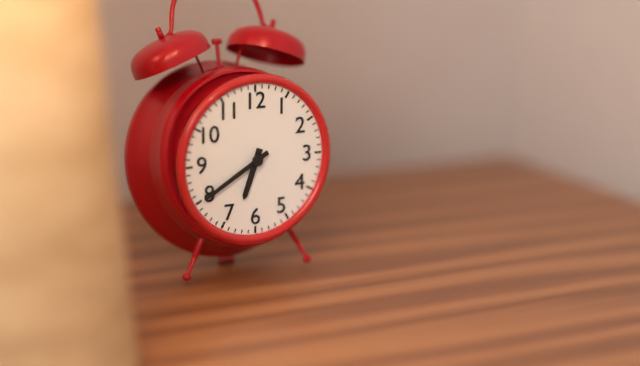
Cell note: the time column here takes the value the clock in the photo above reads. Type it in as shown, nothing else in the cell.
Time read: 6:40
